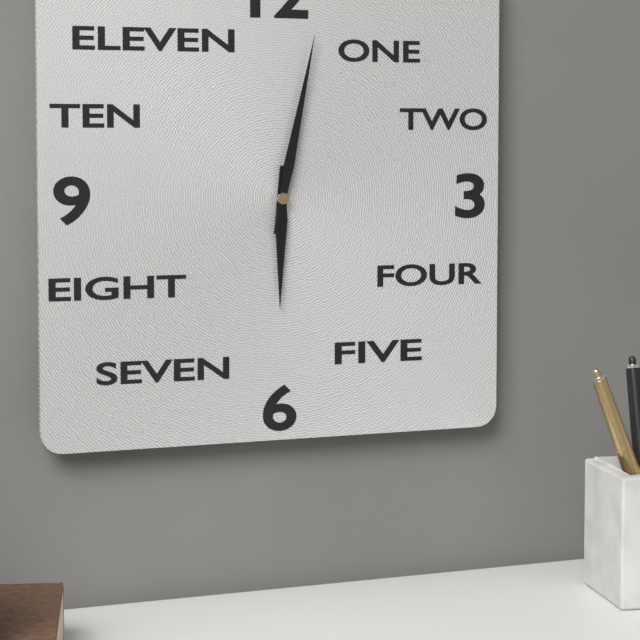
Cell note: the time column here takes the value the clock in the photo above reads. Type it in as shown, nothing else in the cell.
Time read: 6:02
